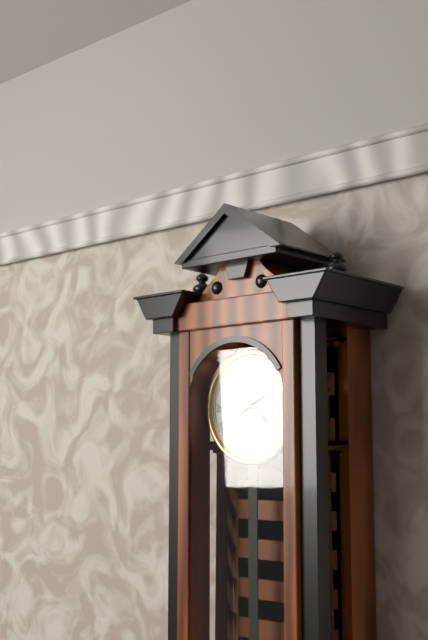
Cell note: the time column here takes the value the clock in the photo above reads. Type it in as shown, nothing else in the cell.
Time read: 4:10
